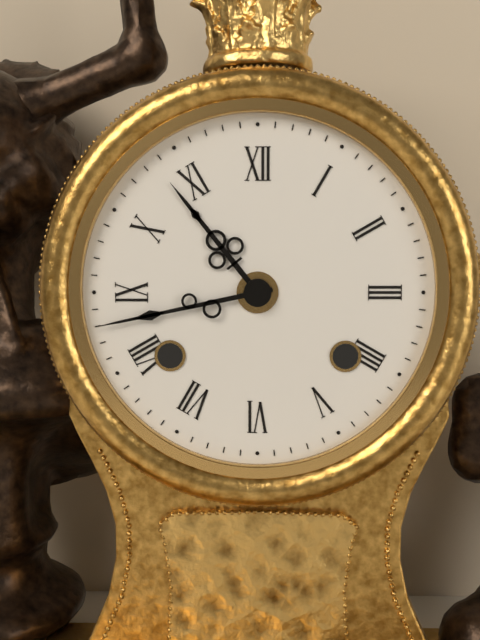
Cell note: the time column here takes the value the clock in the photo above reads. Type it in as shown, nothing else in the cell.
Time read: 10:43
